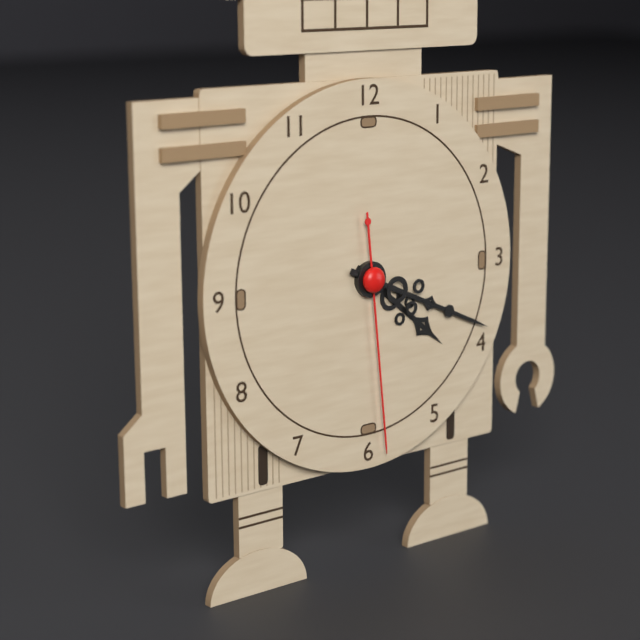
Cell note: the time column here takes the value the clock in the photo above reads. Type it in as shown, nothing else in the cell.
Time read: 4:19:29
